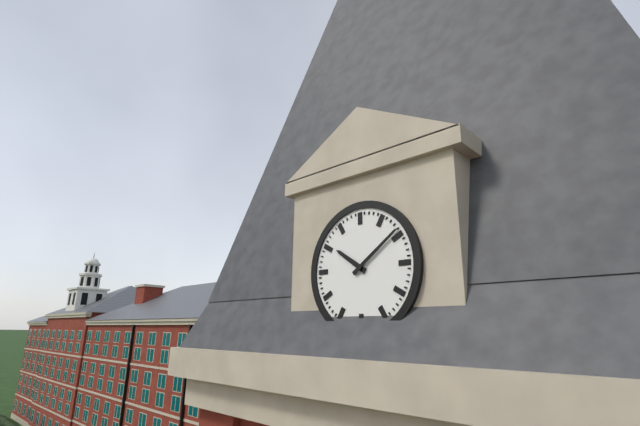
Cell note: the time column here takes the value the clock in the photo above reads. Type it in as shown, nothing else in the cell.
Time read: 10:09
